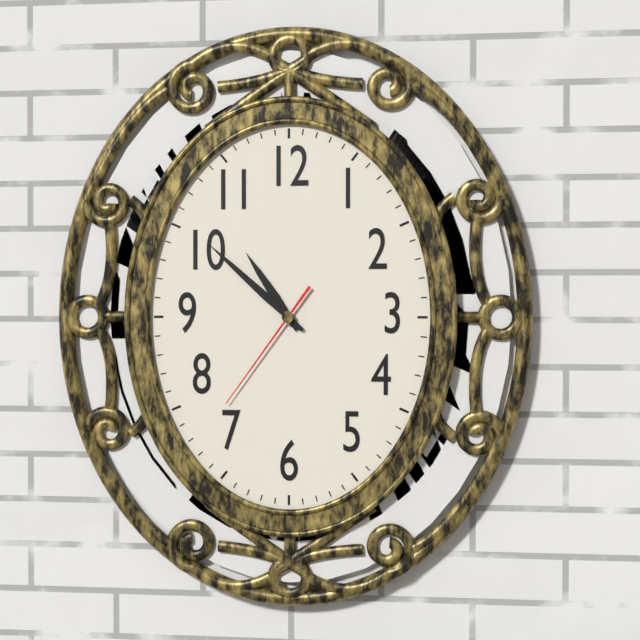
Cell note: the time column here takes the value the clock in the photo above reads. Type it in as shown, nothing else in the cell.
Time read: 10:52:36
